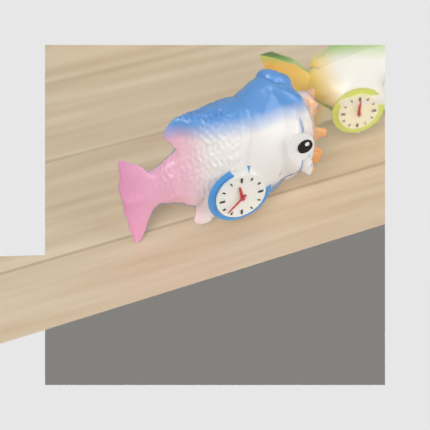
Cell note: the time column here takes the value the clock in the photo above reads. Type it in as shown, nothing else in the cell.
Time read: 11:38
